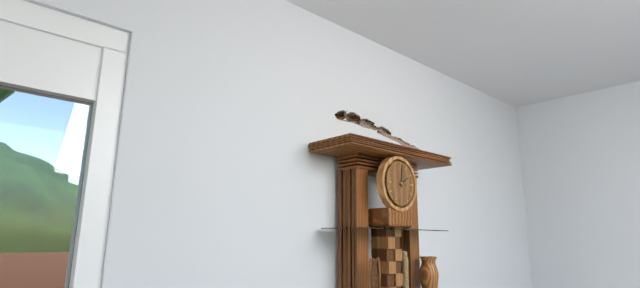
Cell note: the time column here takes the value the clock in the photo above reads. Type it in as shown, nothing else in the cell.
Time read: 2:01
